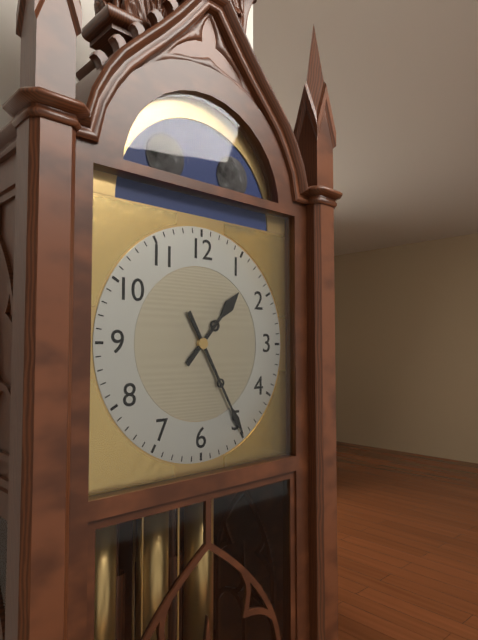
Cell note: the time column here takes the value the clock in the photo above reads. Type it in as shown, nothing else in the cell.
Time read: 1:25
